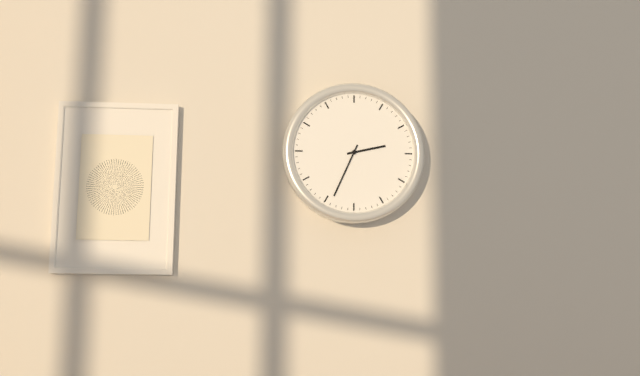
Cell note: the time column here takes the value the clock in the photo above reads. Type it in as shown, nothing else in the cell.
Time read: 2:34
